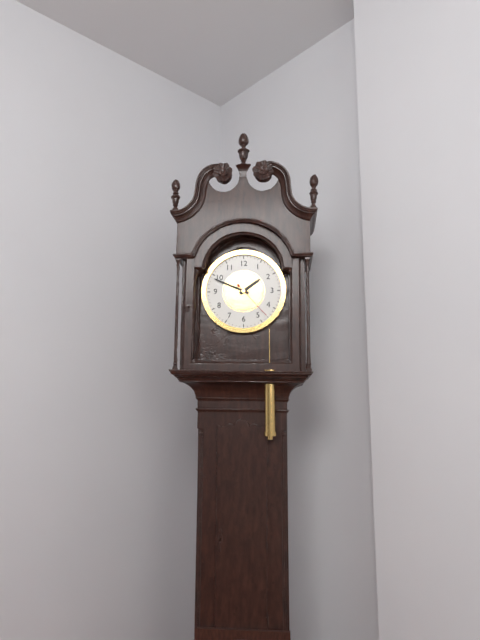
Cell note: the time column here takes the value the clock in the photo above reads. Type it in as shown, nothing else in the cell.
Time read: 1:49
